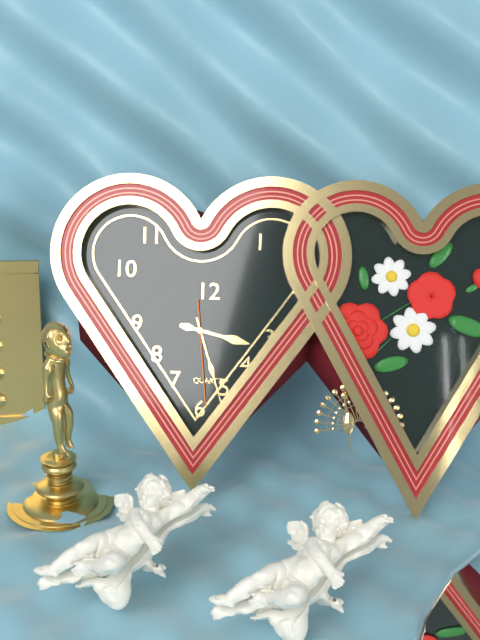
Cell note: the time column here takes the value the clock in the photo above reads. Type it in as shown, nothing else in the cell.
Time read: 3:27:29
